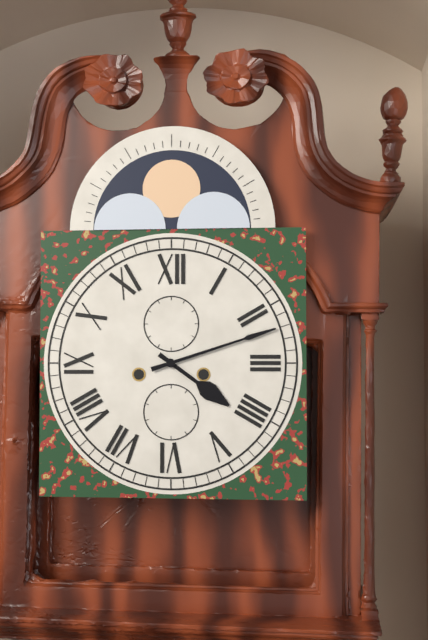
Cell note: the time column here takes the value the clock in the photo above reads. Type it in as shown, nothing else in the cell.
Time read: 4:12
